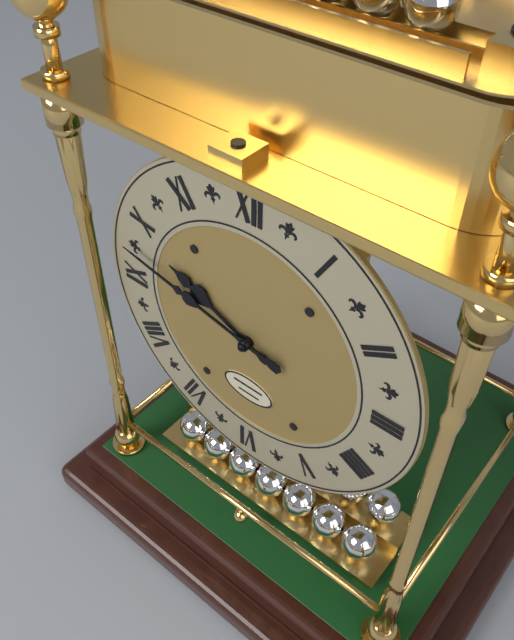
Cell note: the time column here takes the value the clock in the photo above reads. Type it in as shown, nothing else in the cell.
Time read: 9:47
